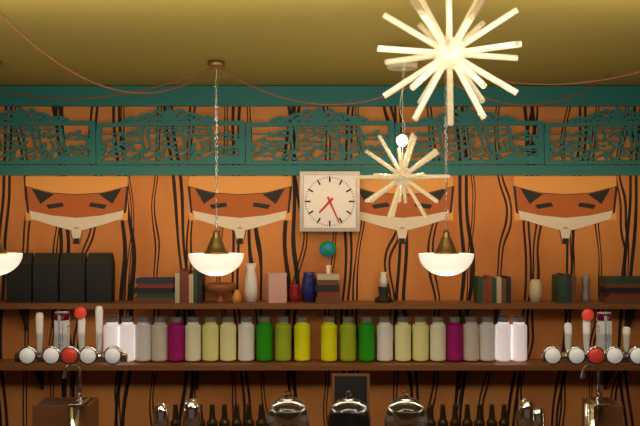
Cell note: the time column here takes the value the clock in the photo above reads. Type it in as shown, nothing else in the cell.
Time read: 7:26
